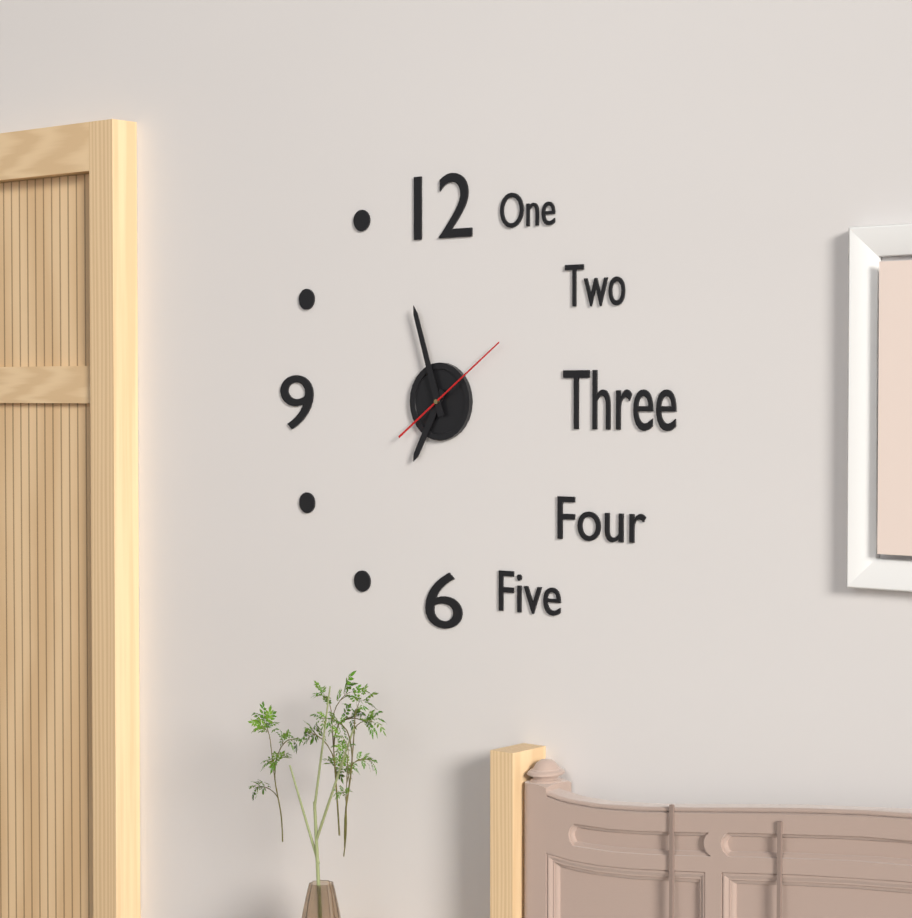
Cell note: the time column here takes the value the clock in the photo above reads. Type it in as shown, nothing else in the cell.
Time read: 6:57:09
